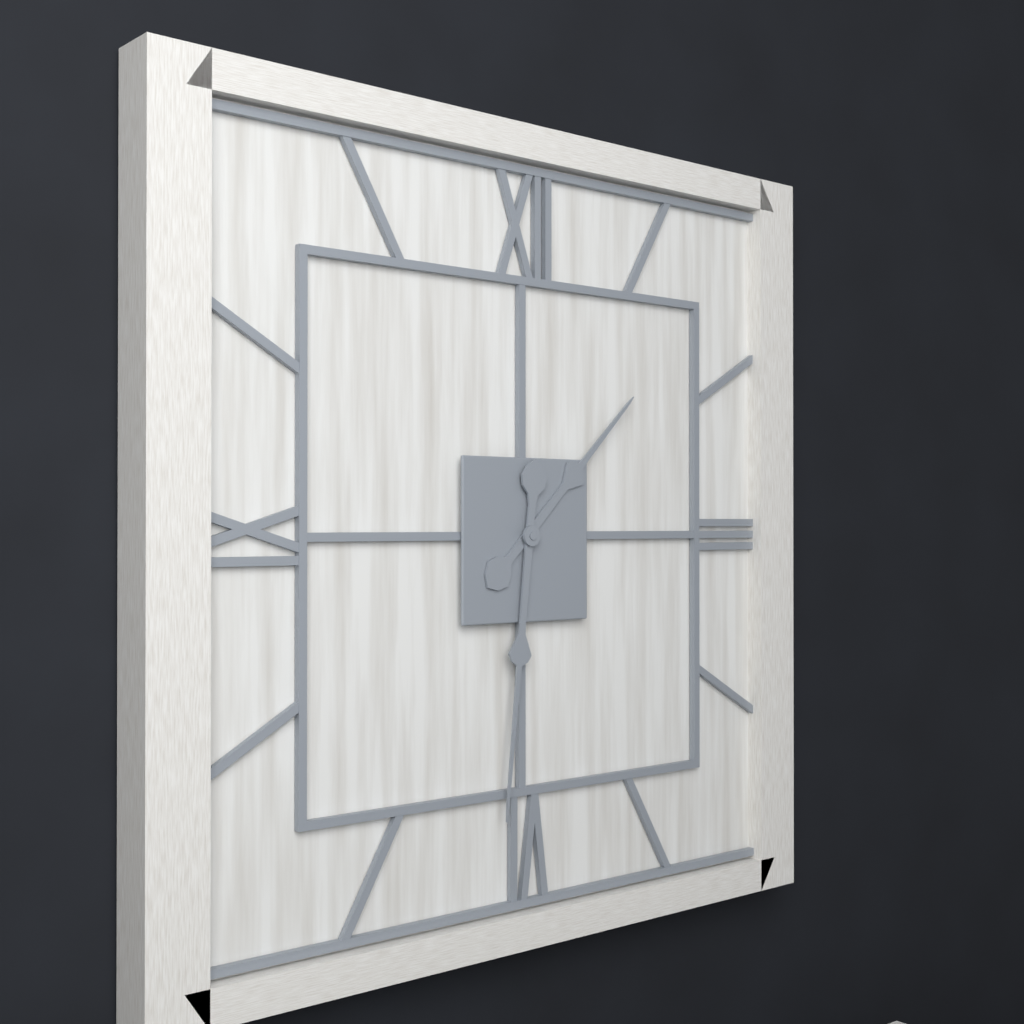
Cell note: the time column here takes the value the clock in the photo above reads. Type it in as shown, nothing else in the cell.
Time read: 1:31
